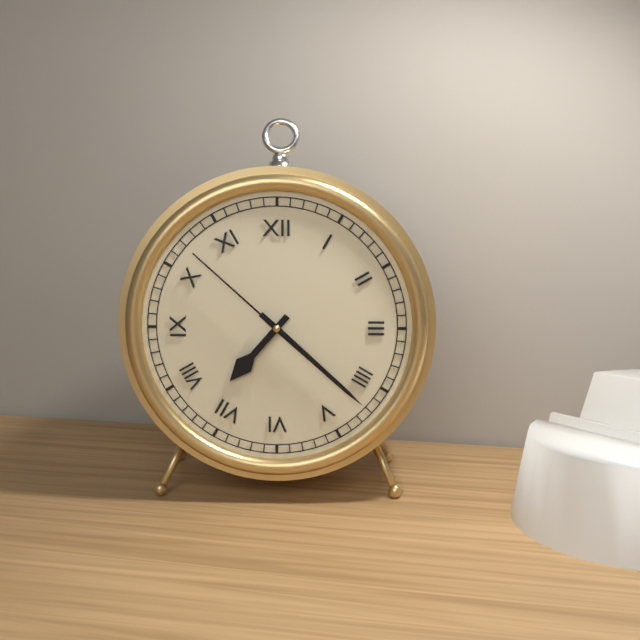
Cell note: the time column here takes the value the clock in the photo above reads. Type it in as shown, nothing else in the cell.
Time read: 7:22:52
